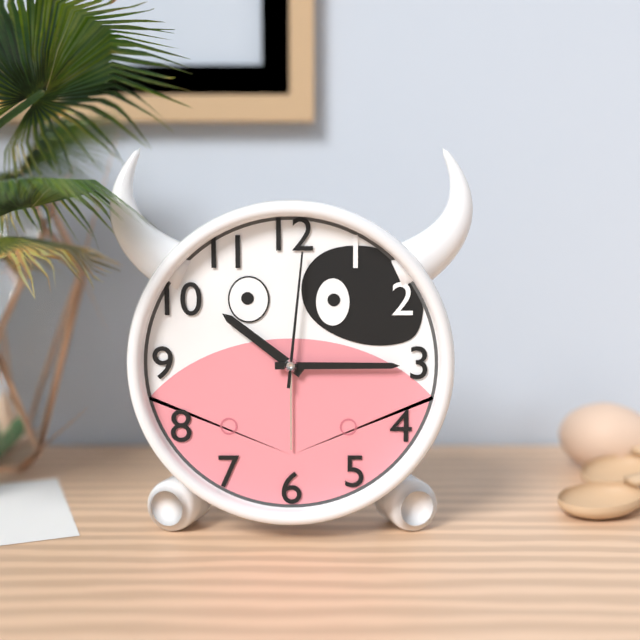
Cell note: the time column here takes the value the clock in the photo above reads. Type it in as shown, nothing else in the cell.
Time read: 10:15:01
